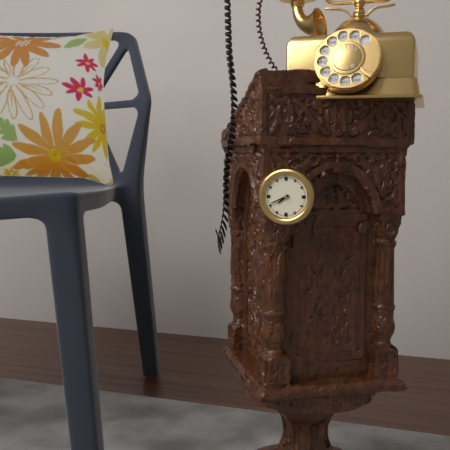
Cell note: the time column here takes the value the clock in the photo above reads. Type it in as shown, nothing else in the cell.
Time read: 7:41
